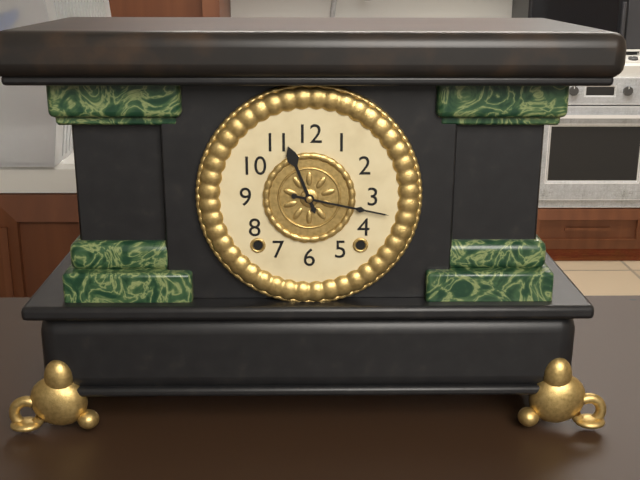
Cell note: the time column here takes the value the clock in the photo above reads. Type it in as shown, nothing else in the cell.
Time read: 11:17
